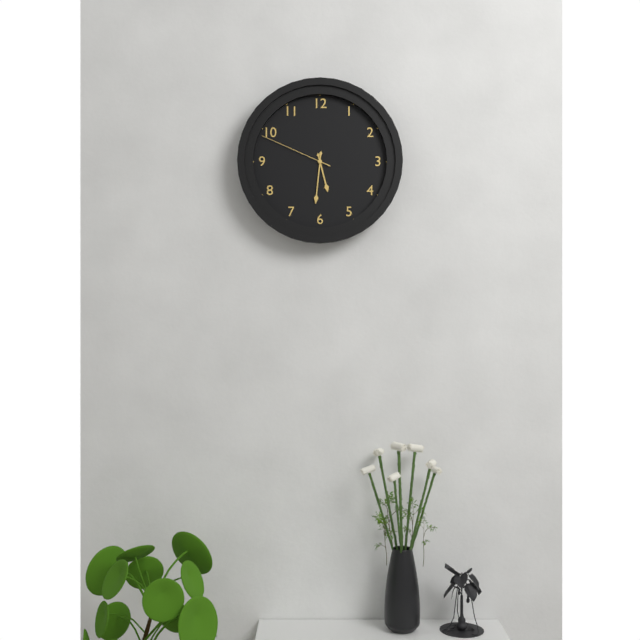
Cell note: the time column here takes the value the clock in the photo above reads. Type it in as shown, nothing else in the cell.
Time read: 5:31:49
